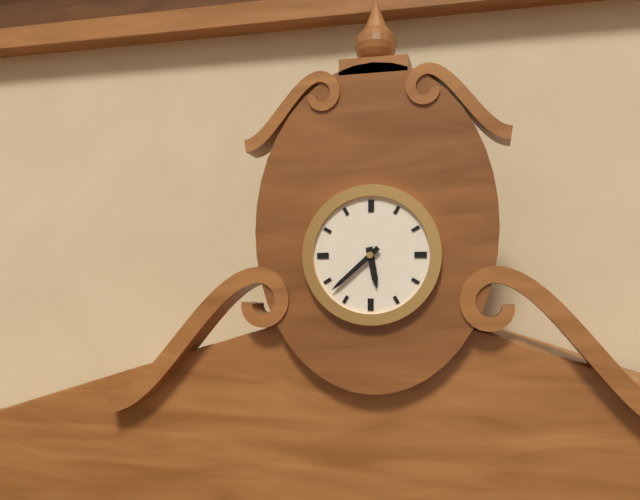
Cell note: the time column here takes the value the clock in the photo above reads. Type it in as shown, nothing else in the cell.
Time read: 5:38
